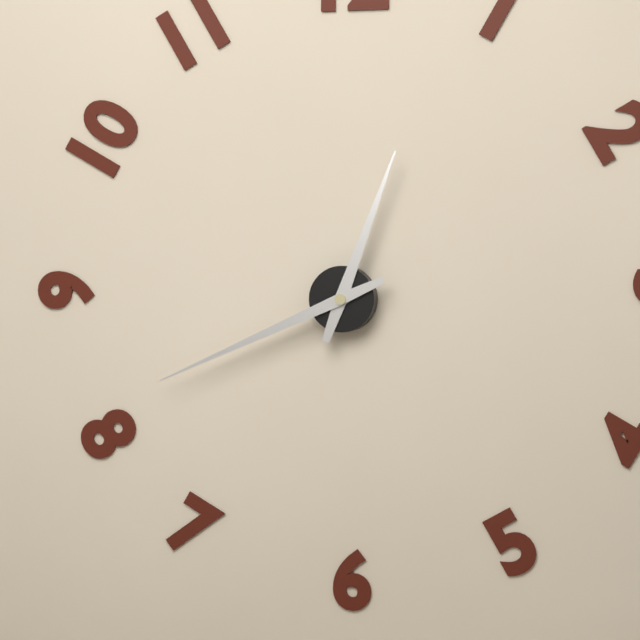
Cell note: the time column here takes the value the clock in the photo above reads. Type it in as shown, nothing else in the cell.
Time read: 12:41
